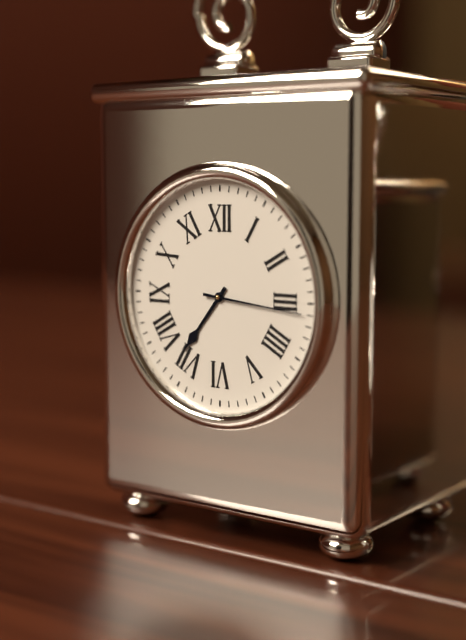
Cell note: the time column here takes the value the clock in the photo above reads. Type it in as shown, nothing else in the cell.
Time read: 7:16
